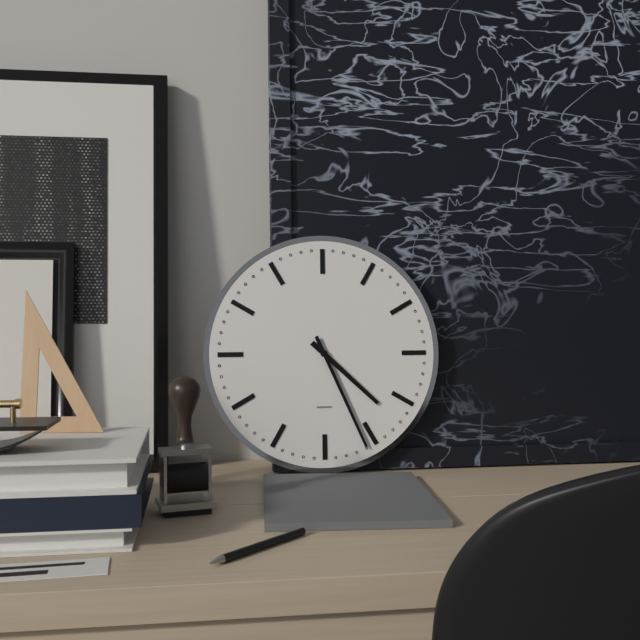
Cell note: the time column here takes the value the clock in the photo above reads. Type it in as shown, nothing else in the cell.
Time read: 4:26
